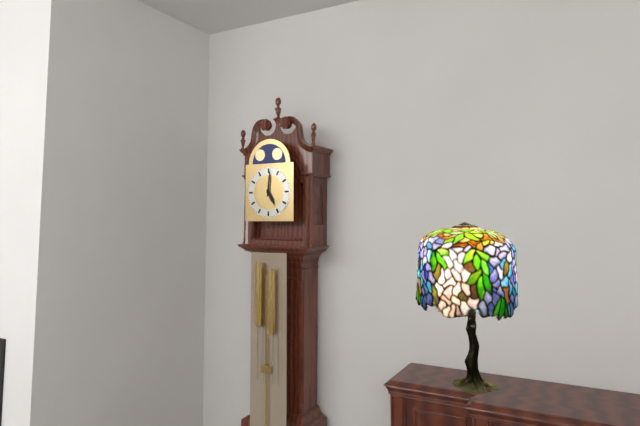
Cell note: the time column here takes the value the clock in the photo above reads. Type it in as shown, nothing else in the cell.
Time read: 5:01
